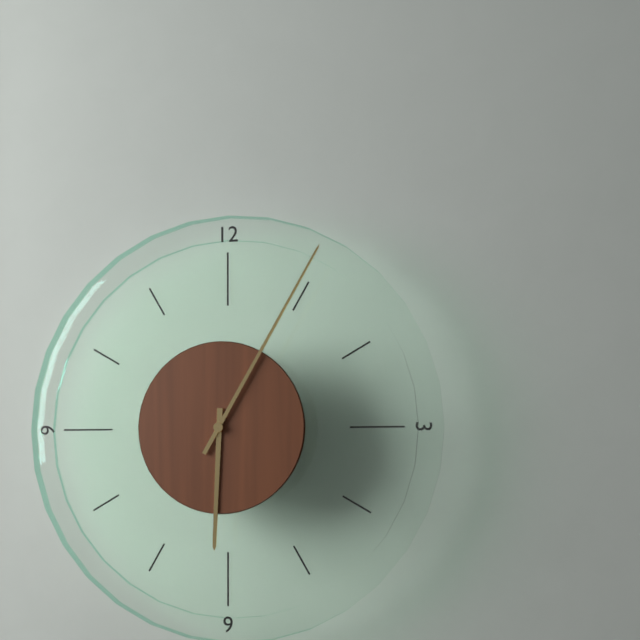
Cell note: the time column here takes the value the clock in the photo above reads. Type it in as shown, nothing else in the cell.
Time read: 6:05
